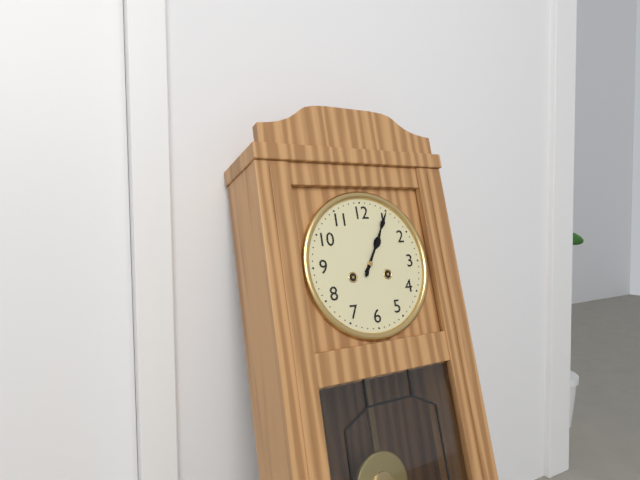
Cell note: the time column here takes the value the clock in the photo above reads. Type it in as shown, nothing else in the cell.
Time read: 1:05
